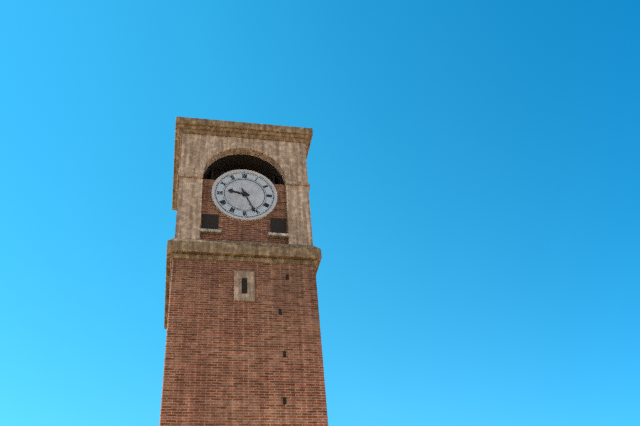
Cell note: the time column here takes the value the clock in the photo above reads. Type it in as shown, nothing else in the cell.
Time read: 9:26
